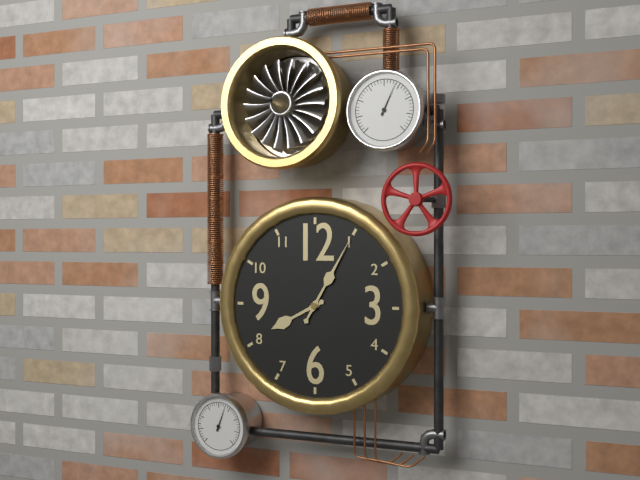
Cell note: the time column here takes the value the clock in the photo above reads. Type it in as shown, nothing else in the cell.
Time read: 8:05
